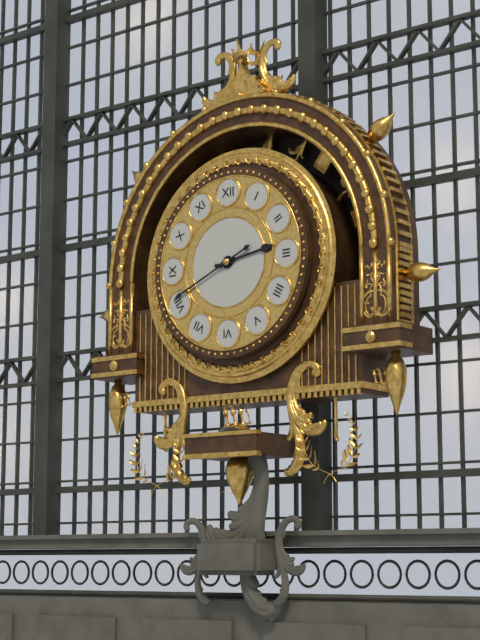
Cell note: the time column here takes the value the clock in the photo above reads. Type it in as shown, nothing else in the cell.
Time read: 2:41
